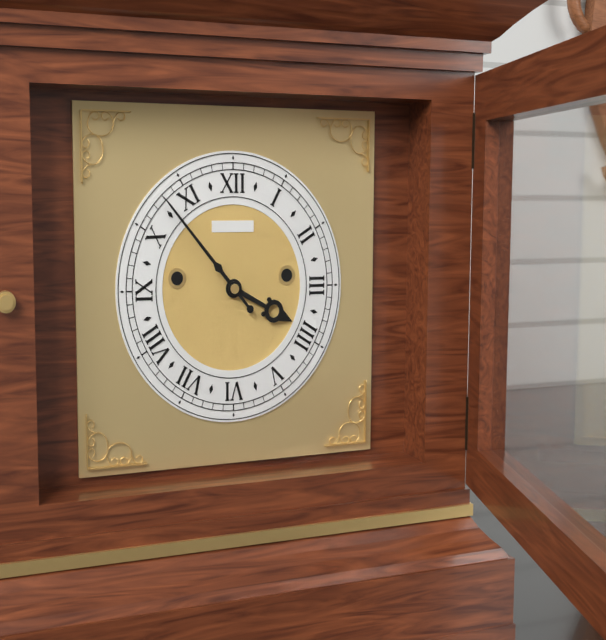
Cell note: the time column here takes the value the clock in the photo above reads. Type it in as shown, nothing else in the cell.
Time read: 3:53
